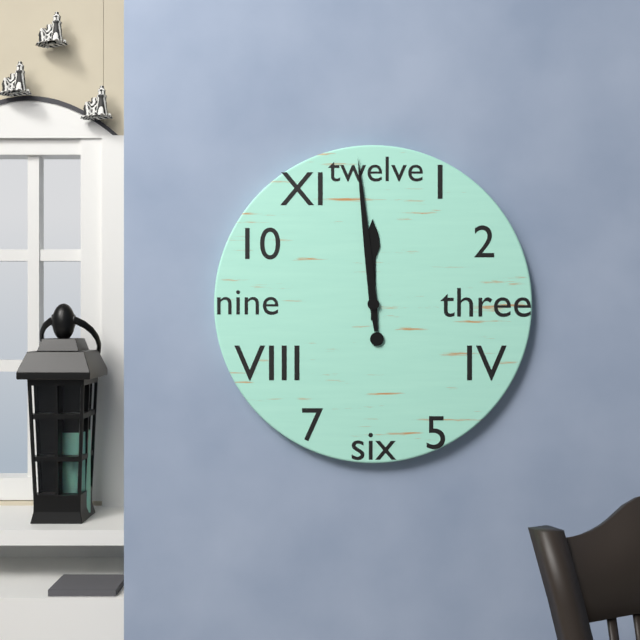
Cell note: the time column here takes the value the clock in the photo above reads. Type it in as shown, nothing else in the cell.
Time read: 11:59
